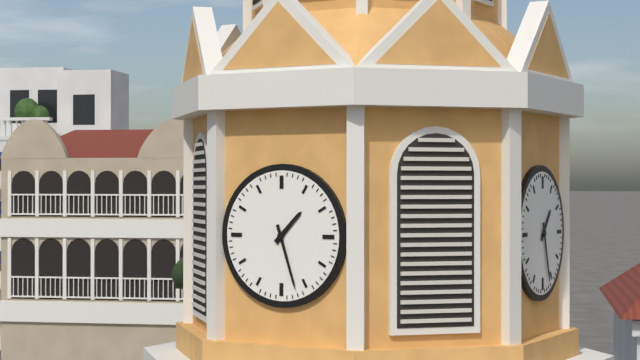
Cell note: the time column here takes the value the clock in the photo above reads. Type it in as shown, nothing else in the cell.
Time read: 1:27
